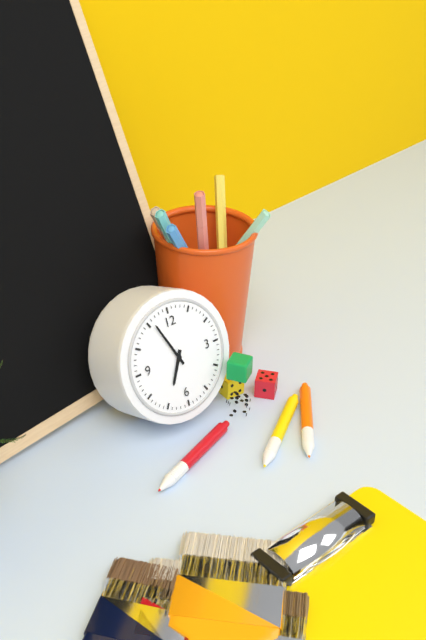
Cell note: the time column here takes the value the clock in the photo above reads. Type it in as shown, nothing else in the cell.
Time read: 6:56
